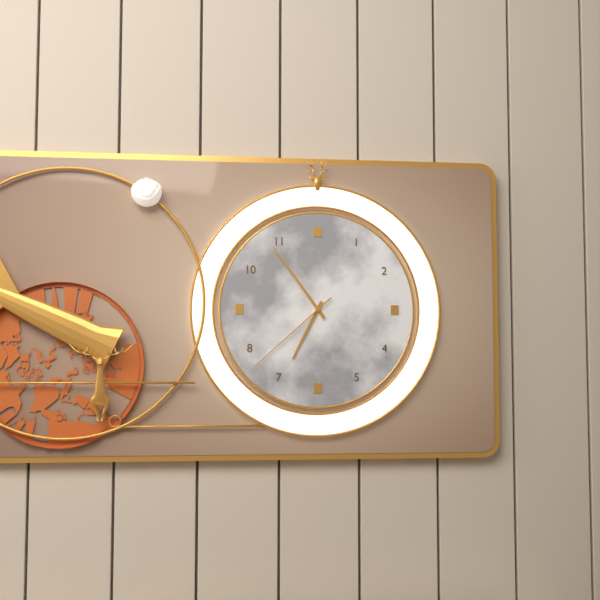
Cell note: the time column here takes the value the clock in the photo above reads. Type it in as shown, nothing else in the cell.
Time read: 6:54:38
